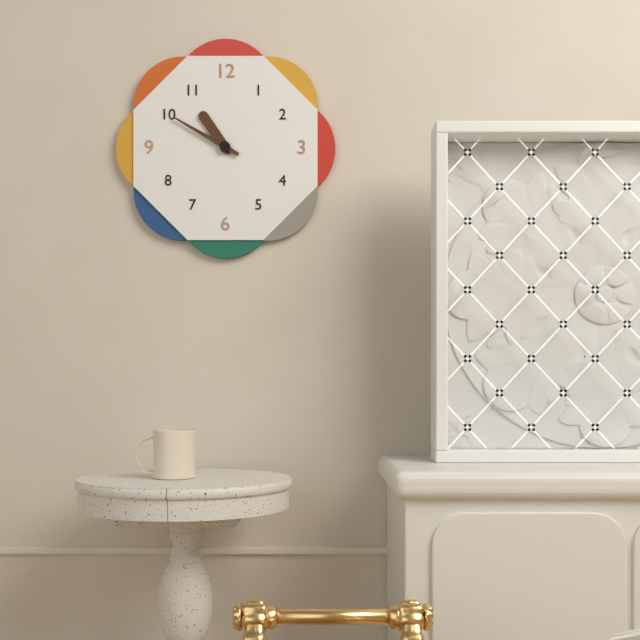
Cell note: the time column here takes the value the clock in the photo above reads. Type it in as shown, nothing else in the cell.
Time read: 10:50
